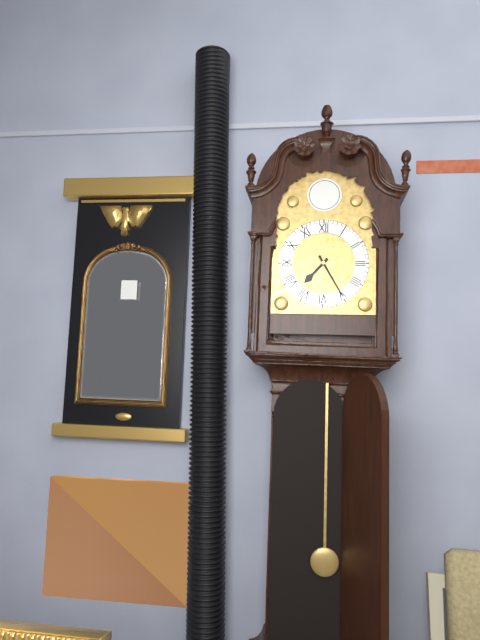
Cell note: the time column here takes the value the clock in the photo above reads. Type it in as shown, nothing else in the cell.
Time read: 7:25
